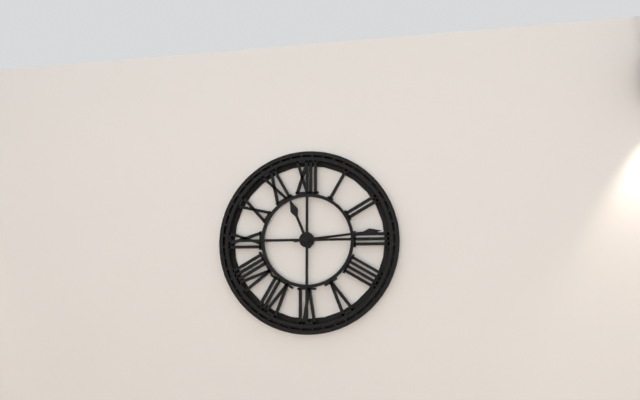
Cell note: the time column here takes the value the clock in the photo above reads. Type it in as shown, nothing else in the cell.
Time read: 11:14
